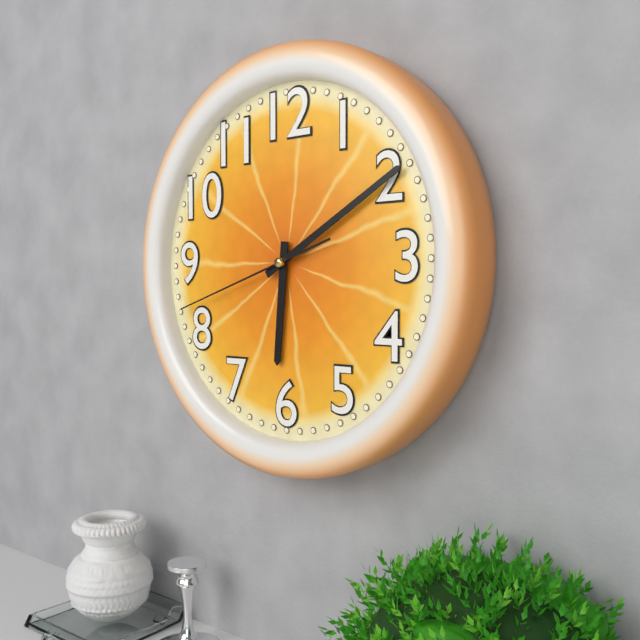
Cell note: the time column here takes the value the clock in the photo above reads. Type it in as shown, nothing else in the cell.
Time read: 6:10:42
